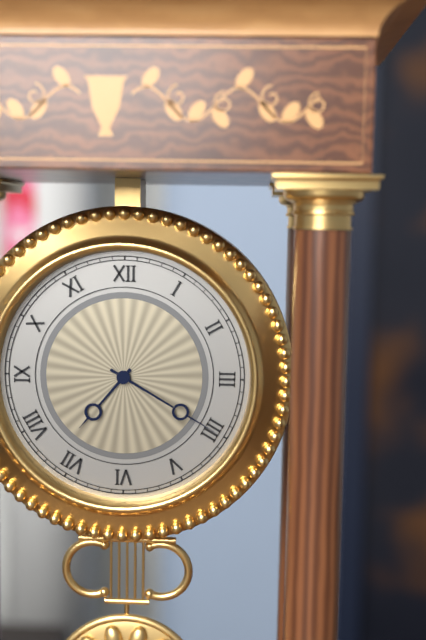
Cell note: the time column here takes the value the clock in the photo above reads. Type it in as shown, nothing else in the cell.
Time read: 7:20
